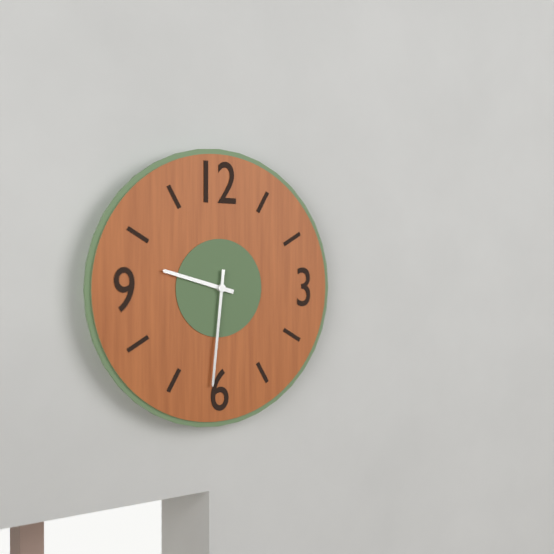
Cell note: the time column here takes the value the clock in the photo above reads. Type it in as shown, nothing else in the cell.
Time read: 9:31
